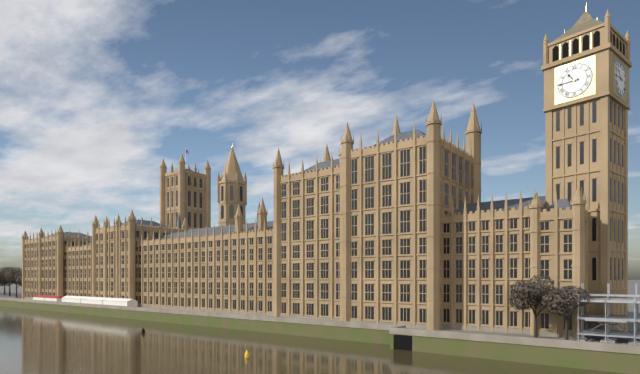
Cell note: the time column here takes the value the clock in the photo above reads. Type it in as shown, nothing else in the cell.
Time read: 10:45
